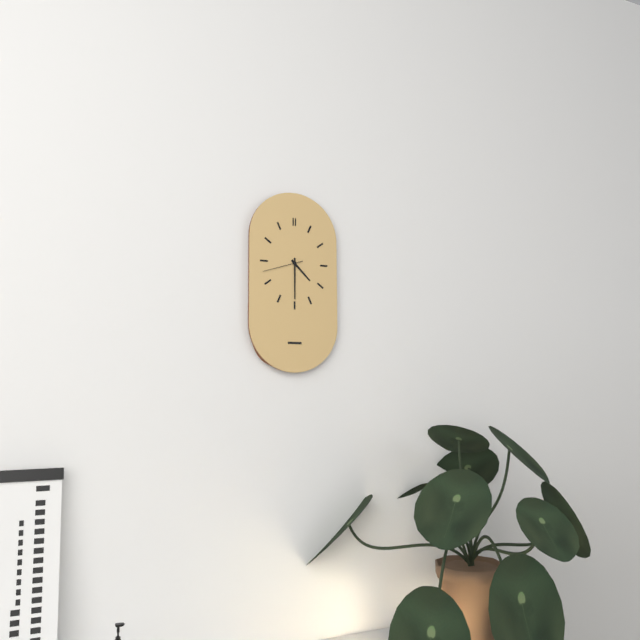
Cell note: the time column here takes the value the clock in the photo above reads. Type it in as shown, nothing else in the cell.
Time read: 4:30
